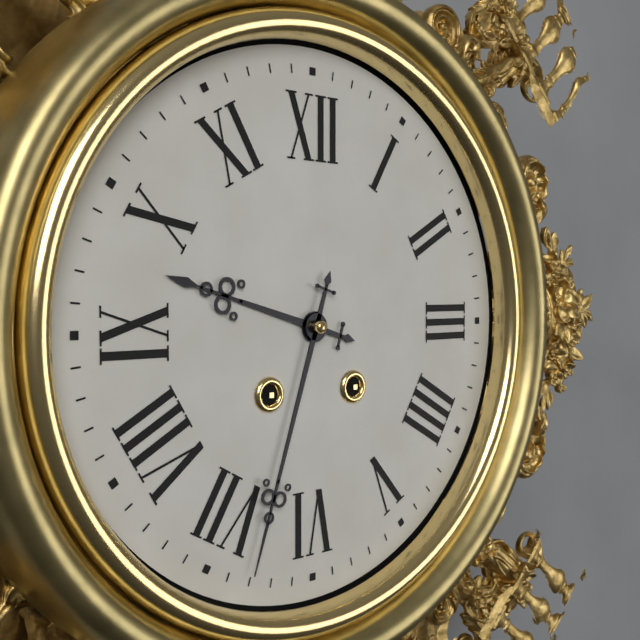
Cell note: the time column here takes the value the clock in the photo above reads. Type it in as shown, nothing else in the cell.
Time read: 9:33
